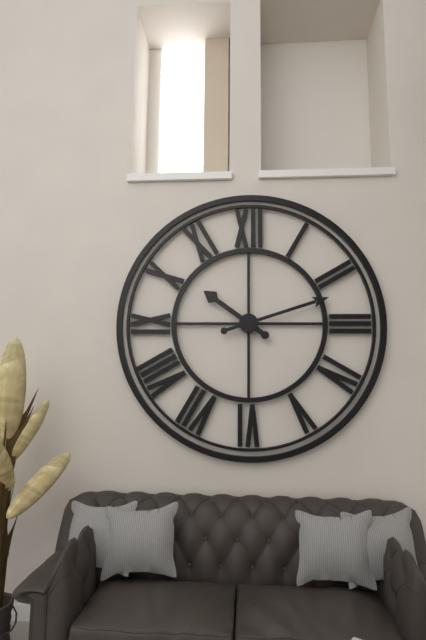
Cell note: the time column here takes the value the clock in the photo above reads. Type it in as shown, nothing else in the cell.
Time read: 10:12
